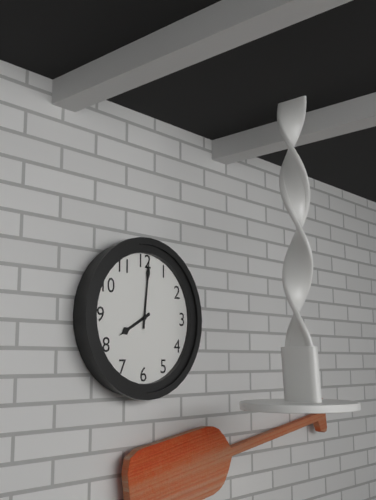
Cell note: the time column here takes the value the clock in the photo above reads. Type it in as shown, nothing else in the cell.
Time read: 8:01
